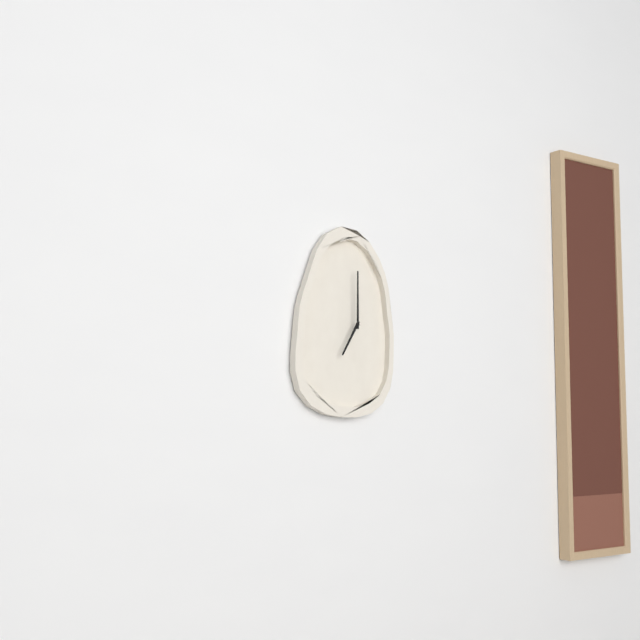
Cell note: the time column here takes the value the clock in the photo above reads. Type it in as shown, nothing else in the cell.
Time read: 7:00
